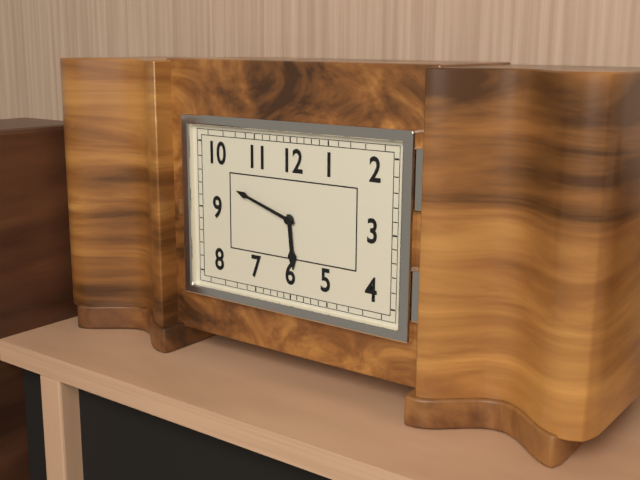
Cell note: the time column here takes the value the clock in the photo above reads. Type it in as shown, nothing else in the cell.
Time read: 5:48
